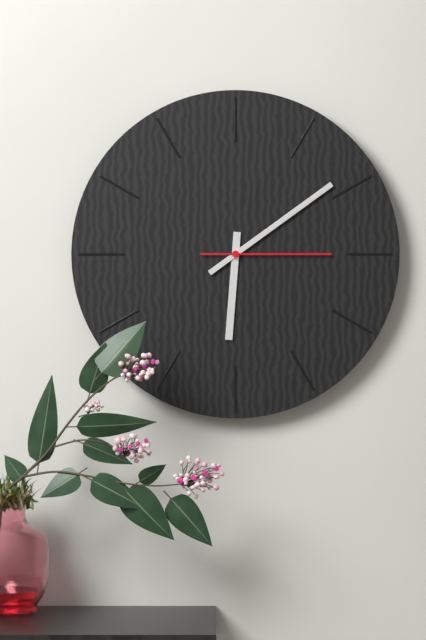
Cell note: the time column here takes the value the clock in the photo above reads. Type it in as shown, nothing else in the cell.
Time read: 6:09:15
